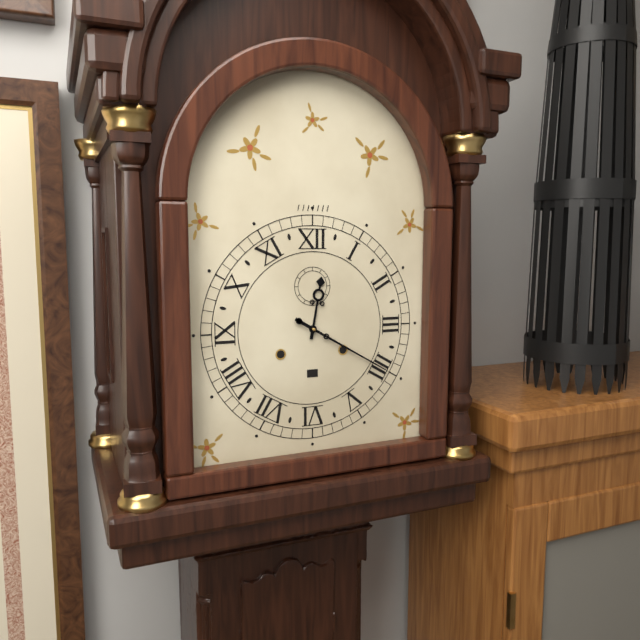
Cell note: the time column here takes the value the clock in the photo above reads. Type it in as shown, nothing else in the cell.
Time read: 12:20
